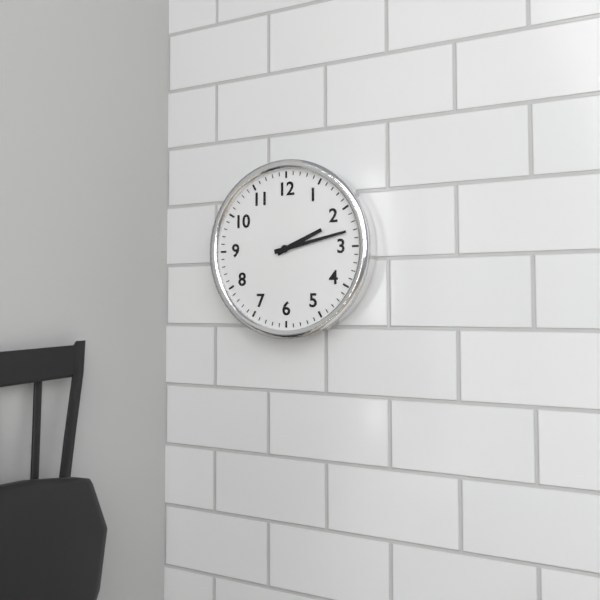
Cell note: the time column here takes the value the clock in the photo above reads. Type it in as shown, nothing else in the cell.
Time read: 2:13
